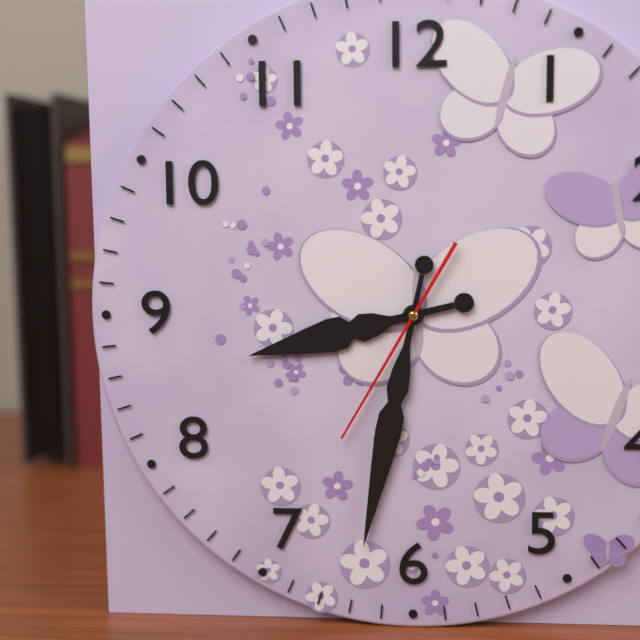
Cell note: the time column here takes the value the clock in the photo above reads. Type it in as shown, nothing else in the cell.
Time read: 8:32:35
